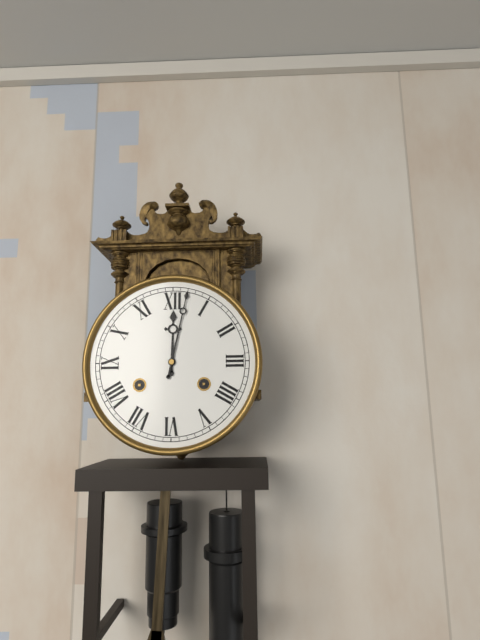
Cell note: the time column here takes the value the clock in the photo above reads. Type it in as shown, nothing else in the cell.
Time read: 12:02
